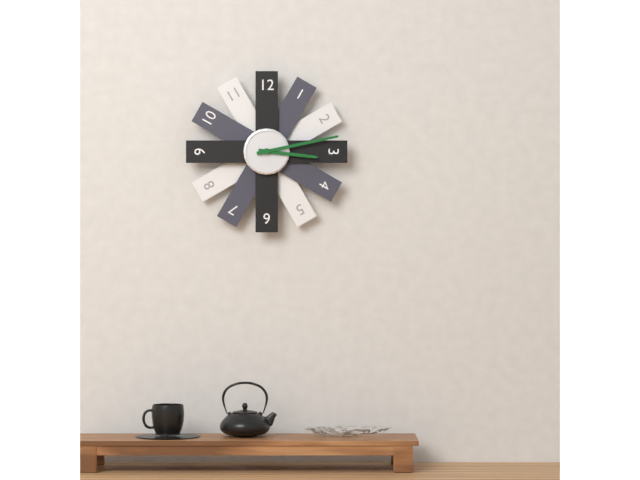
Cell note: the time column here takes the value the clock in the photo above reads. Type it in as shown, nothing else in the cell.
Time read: 3:13
